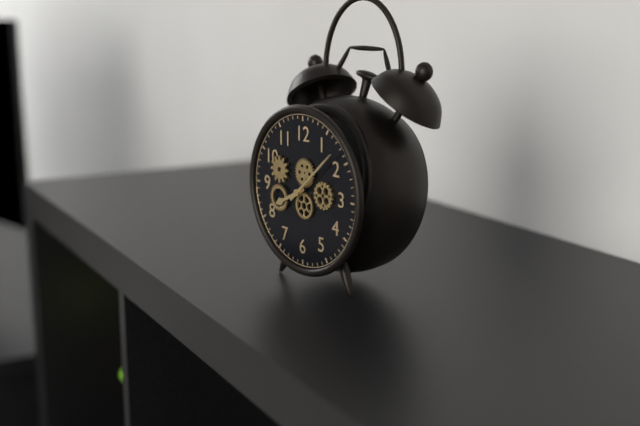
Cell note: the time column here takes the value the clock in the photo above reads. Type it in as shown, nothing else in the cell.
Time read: 8:08
